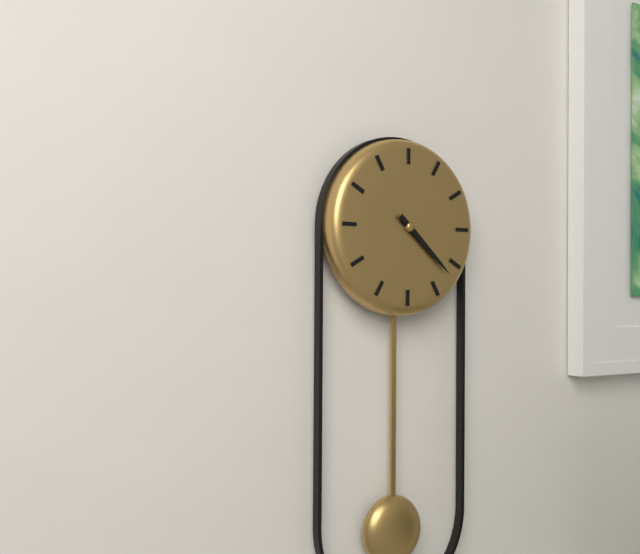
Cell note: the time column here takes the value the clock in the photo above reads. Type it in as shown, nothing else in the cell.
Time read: 4:22
